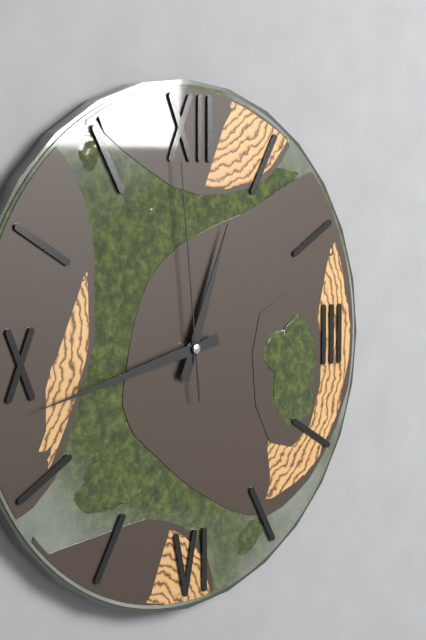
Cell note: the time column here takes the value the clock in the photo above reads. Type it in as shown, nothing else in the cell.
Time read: 12:43:59
